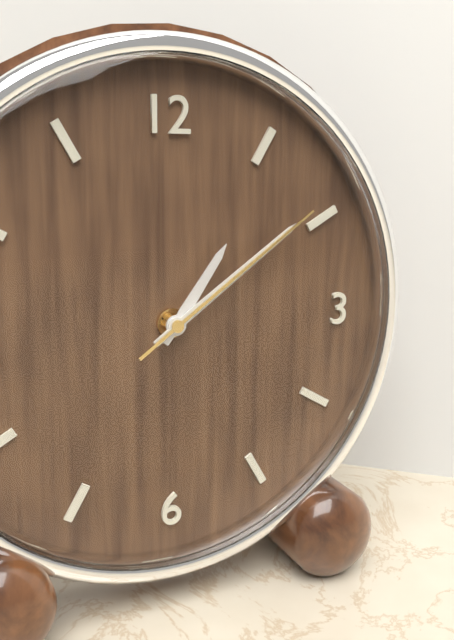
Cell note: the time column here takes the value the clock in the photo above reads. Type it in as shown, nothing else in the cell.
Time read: 1:09:09
